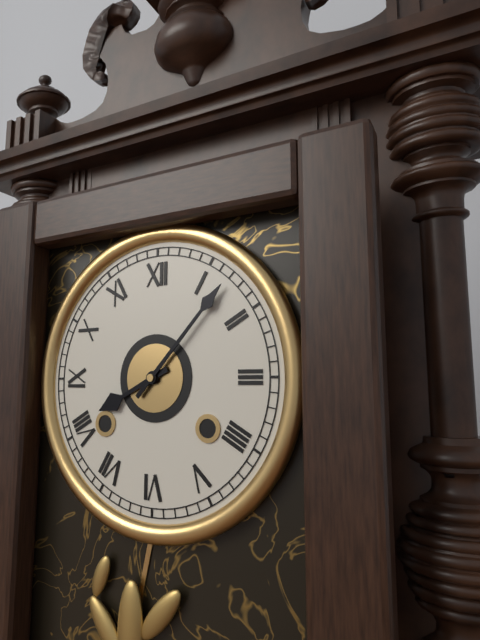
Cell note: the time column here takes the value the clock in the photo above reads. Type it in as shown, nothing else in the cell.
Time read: 8:07
